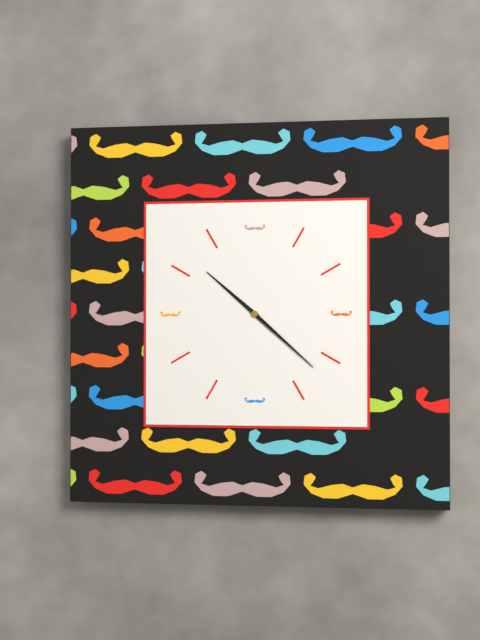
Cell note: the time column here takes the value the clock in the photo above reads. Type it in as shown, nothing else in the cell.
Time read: 10:22
